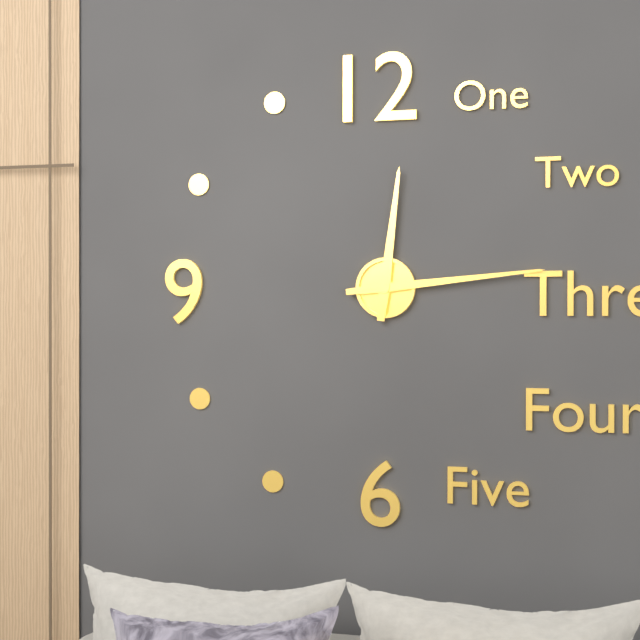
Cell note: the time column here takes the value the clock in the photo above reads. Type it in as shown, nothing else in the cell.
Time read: 12:14
